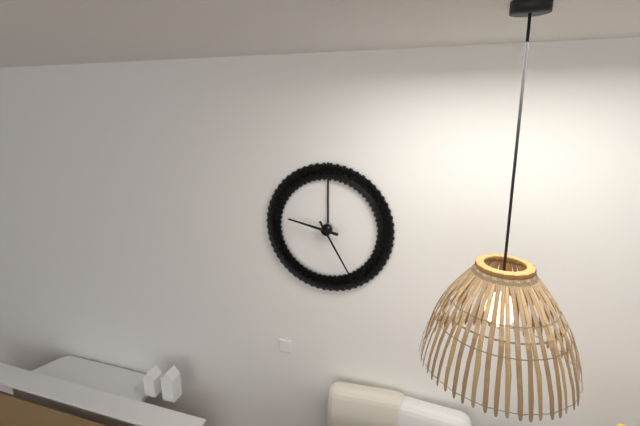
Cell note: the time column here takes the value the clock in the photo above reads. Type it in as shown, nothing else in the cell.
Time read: 9:25
